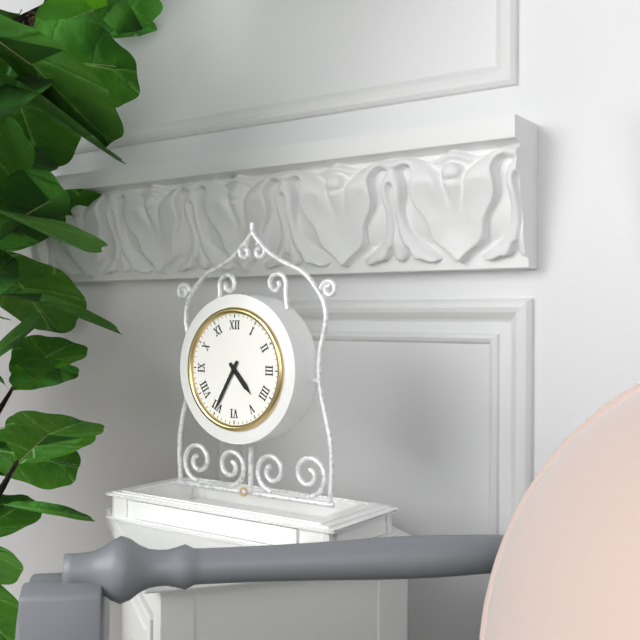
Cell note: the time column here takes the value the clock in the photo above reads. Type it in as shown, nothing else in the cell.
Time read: 4:35
